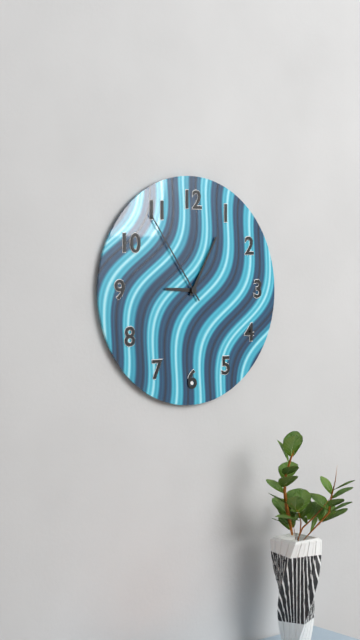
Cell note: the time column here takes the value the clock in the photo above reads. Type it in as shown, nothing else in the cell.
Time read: 9:05:54
